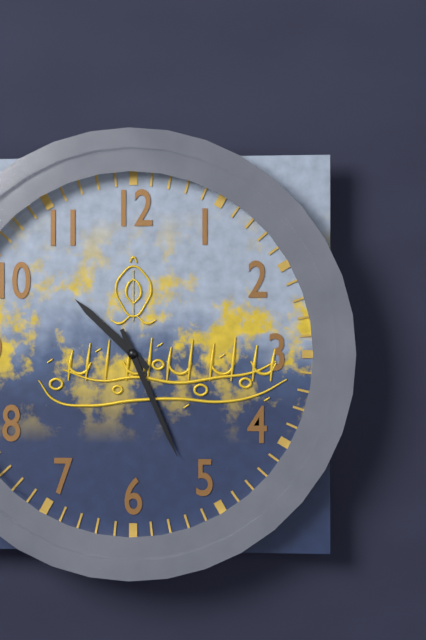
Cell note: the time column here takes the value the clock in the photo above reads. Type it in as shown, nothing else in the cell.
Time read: 10:26
